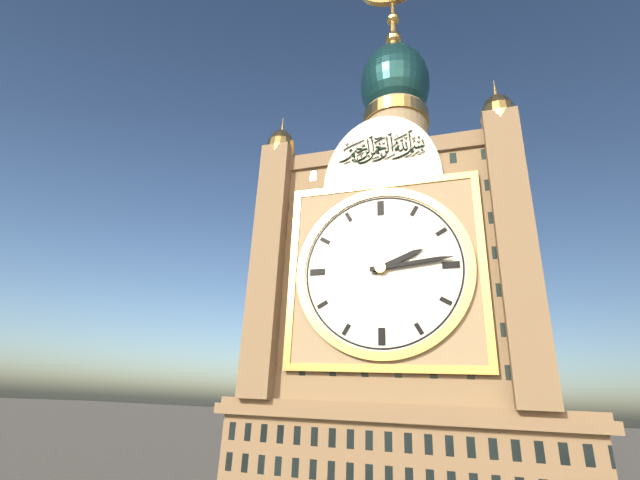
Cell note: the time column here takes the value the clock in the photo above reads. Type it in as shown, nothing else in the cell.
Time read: 2:14
